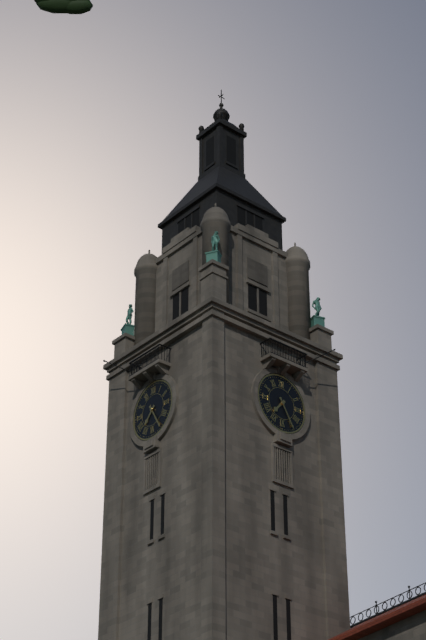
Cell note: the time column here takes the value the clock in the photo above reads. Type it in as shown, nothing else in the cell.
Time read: 7:25
